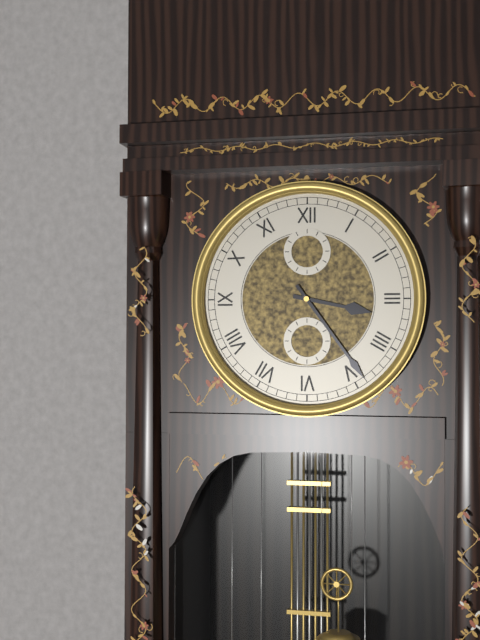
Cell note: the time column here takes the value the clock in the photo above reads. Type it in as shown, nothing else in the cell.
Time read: 3:24
